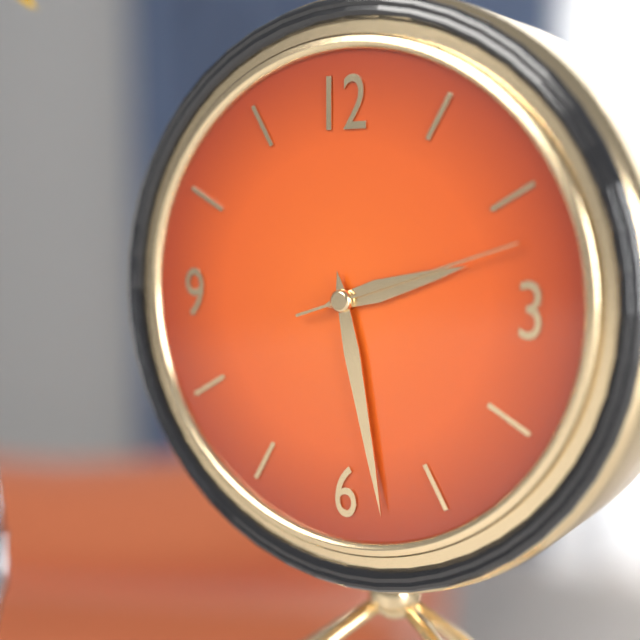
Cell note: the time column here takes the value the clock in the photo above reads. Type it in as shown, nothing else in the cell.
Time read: 2:28:12
